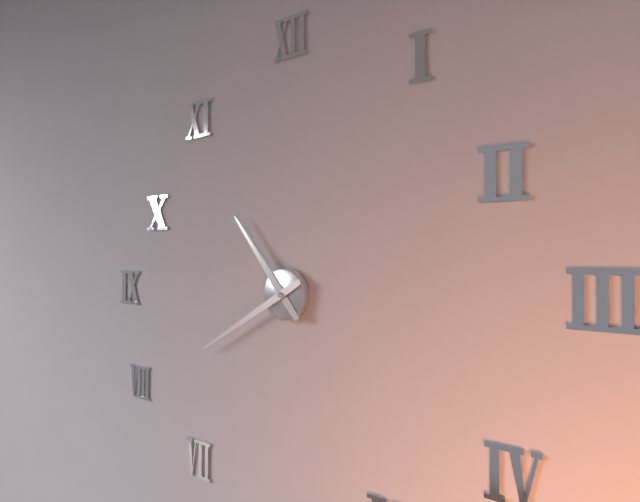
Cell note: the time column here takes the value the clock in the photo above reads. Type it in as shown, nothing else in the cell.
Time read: 10:40
